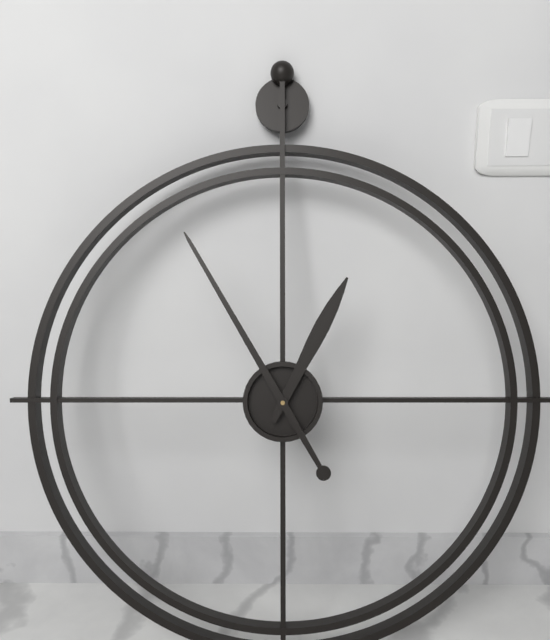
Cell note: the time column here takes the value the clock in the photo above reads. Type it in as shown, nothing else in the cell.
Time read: 12:55
